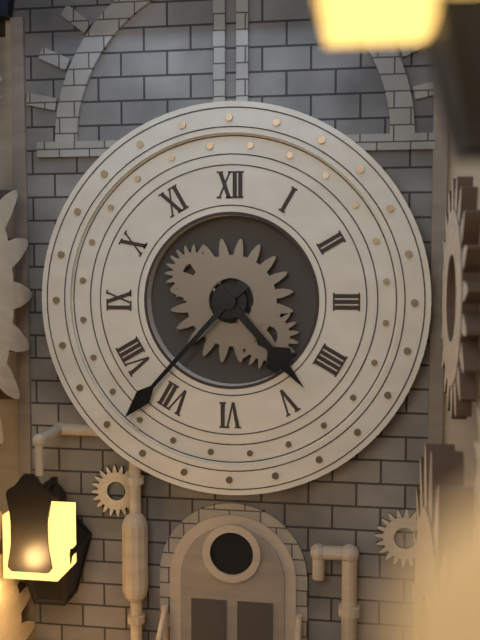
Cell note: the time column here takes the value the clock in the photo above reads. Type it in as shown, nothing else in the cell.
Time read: 4:37
